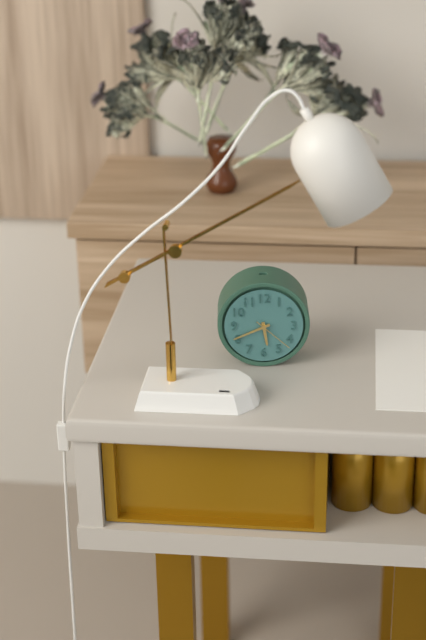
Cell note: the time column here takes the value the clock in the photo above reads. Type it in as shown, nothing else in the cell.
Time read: 5:41
